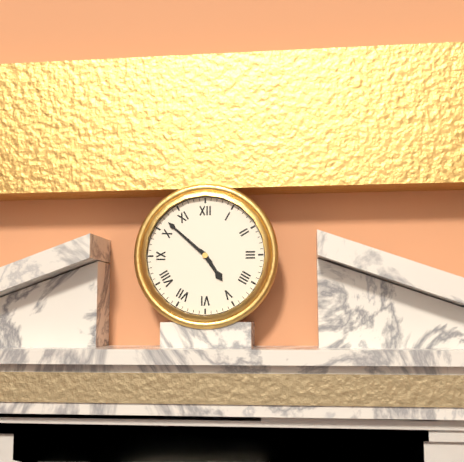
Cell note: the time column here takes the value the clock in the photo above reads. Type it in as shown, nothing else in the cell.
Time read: 4:52
